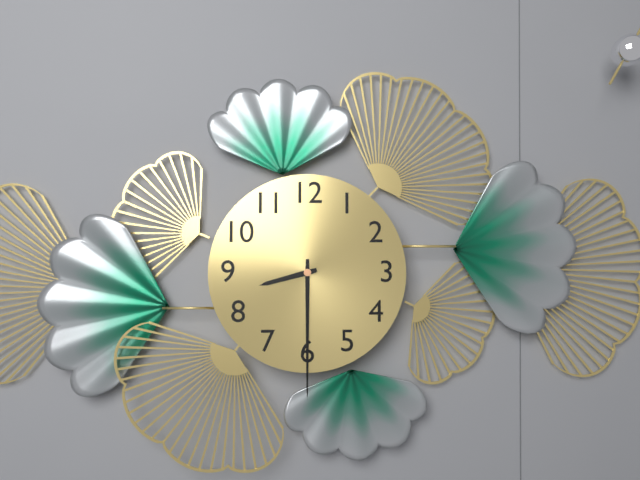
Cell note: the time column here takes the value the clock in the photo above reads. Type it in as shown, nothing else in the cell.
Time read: 8:30
